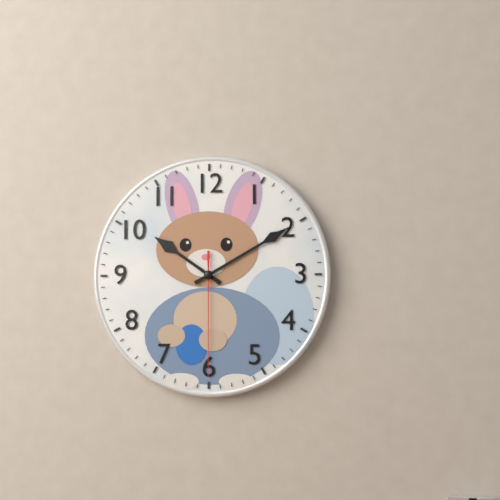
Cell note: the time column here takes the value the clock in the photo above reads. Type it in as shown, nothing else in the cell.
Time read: 10:10:30
